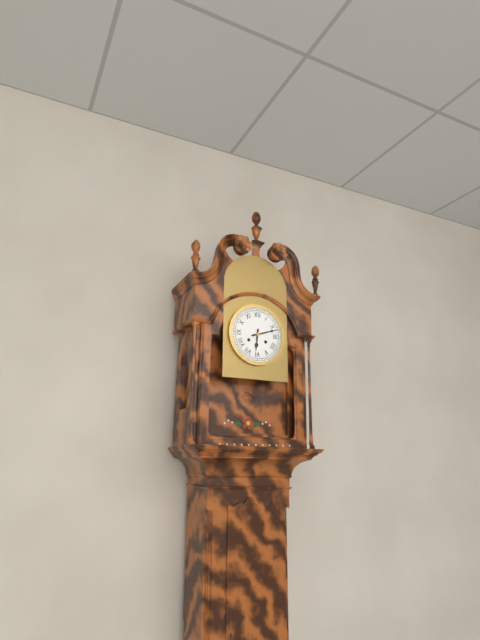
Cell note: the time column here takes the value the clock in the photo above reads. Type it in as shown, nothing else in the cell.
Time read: 6:12
